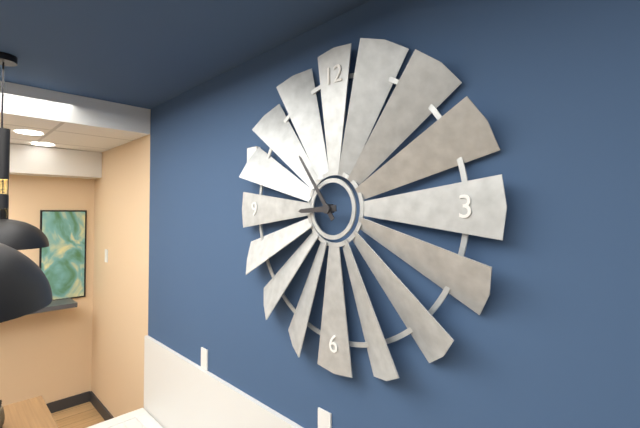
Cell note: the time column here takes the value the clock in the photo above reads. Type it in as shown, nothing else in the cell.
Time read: 8:54
